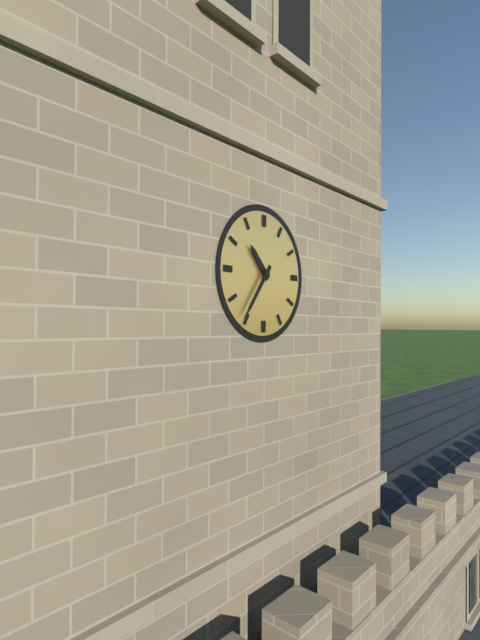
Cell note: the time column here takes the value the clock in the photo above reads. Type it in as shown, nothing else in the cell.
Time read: 10:36
